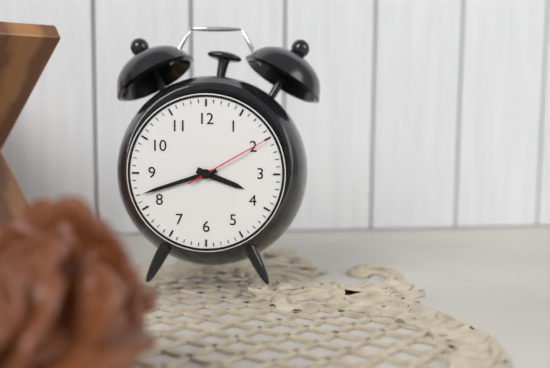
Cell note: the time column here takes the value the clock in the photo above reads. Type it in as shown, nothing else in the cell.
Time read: 3:42:10
